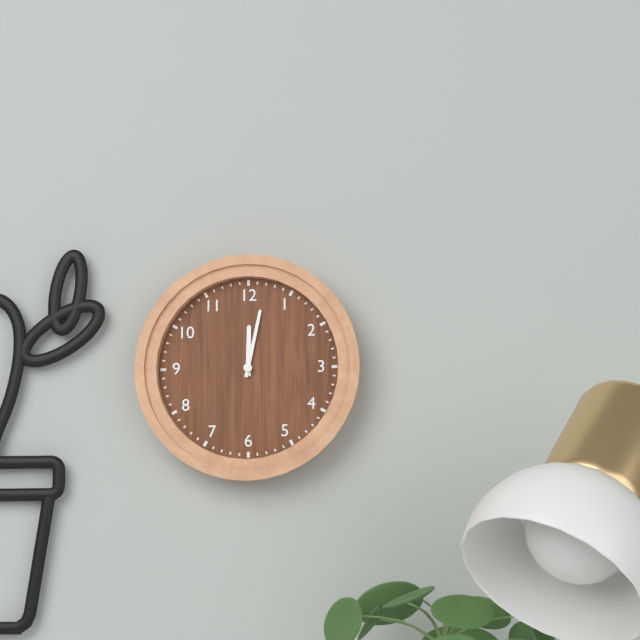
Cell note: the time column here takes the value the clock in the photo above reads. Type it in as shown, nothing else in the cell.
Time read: 12:02
